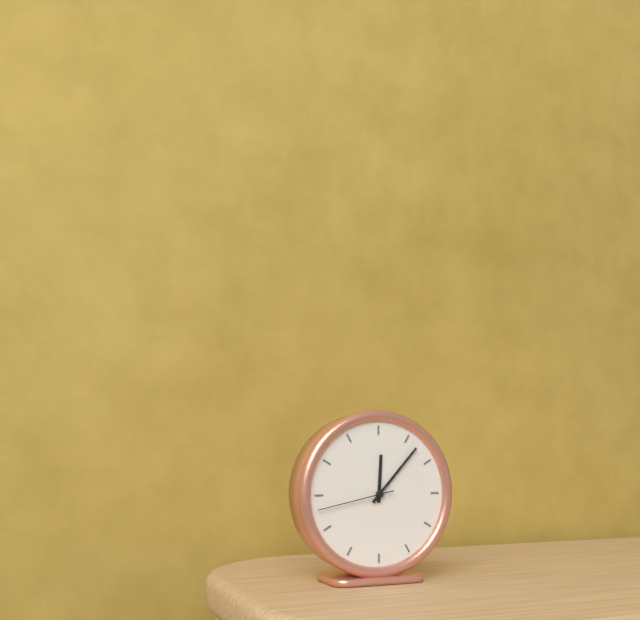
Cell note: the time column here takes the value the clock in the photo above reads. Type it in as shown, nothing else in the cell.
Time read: 12:07:43
